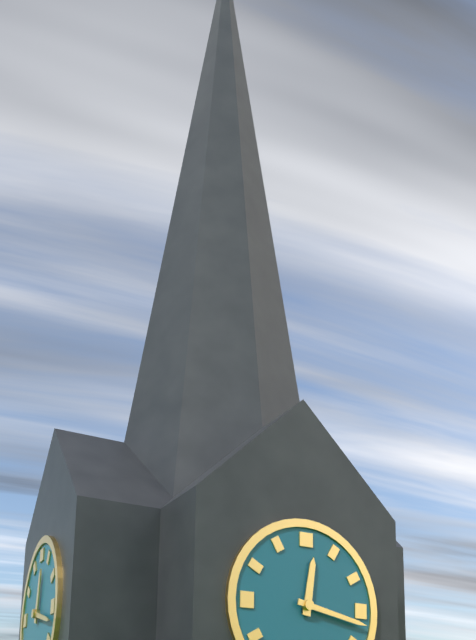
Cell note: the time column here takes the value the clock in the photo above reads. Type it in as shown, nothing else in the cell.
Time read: 12:17
